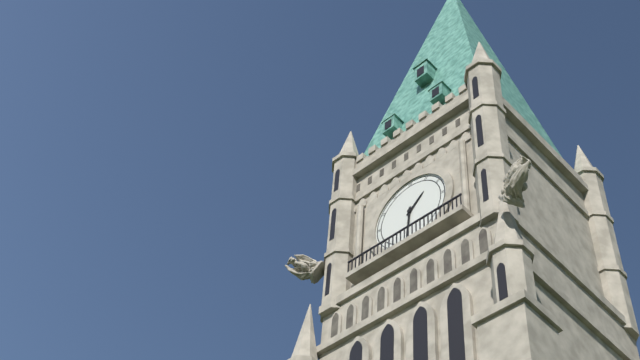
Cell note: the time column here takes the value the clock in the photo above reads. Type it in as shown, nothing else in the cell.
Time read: 1:31
